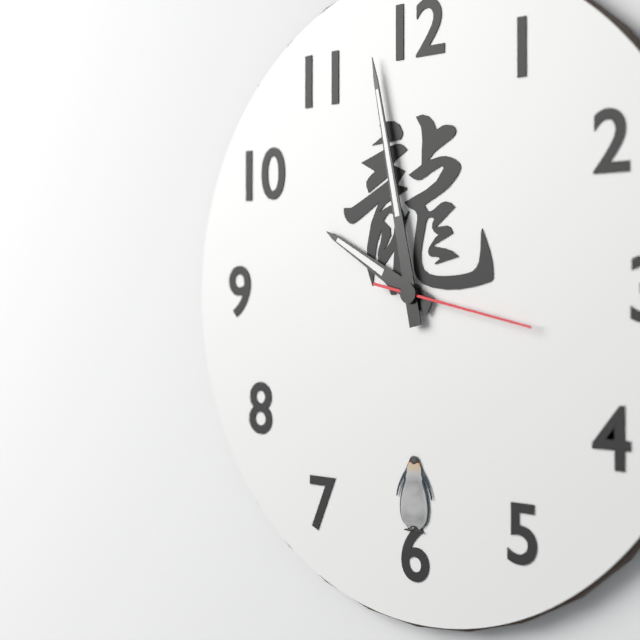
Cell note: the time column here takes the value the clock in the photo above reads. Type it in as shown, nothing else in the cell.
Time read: 9:58:17
